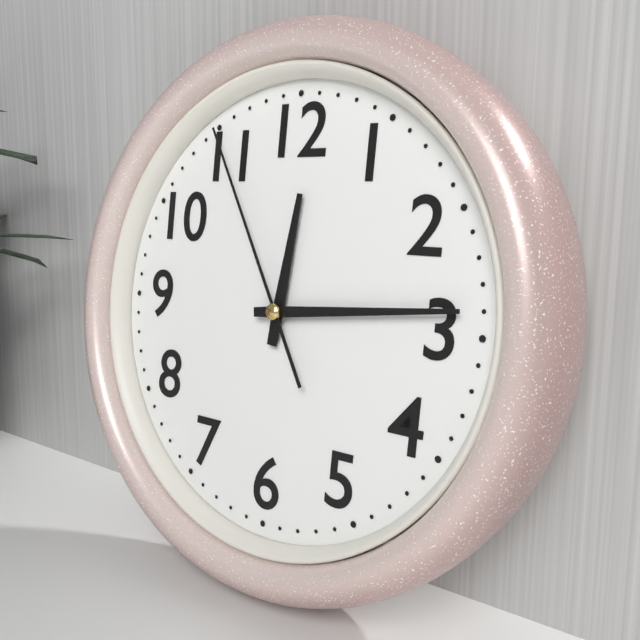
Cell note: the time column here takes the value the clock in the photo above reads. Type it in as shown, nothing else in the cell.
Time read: 12:14:55
